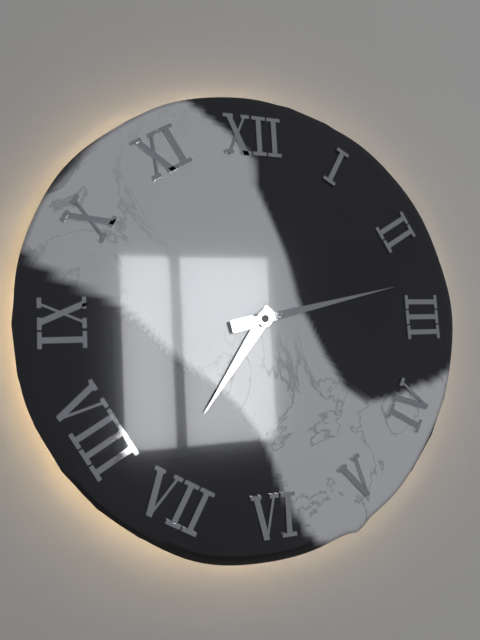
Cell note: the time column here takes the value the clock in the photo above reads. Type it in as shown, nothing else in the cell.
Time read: 7:13
